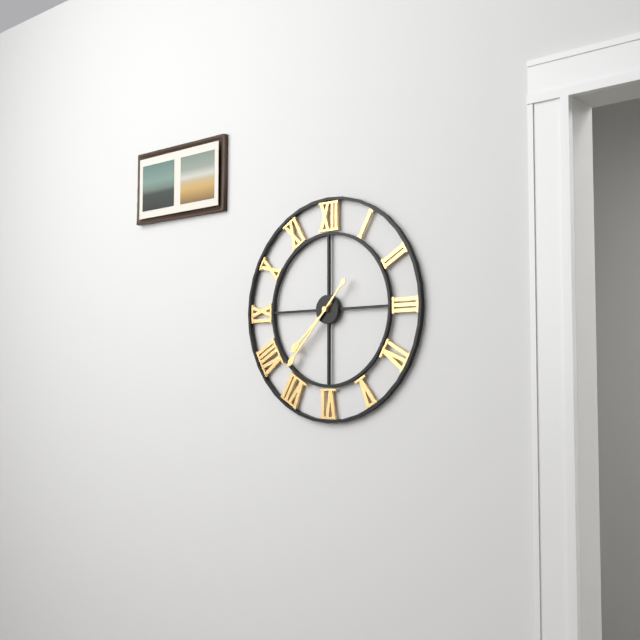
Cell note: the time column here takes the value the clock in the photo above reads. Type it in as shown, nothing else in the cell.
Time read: 7:37
